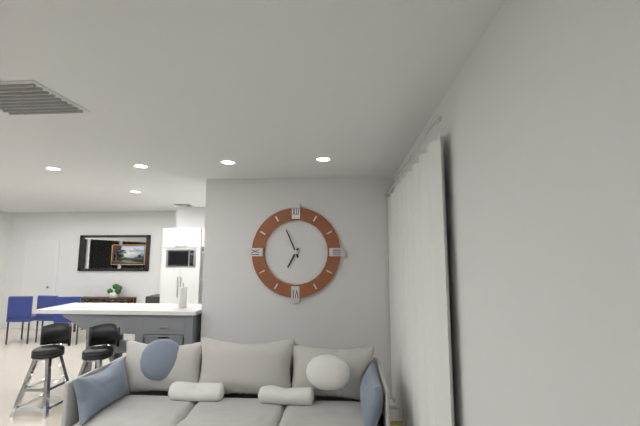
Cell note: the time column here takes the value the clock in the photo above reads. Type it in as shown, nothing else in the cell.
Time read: 6:56
